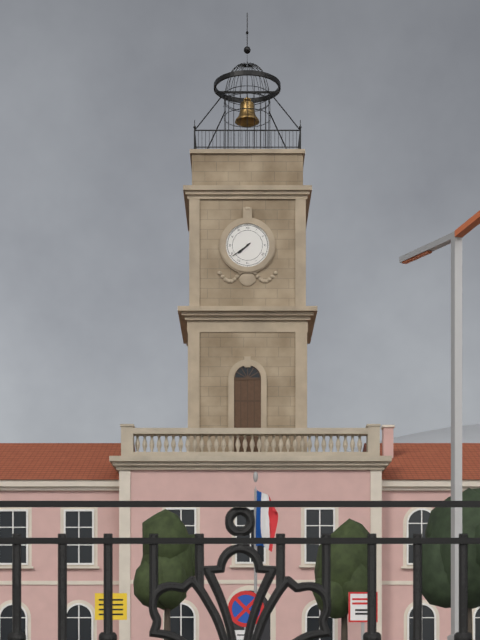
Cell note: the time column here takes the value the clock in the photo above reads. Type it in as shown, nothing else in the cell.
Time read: 7:39
